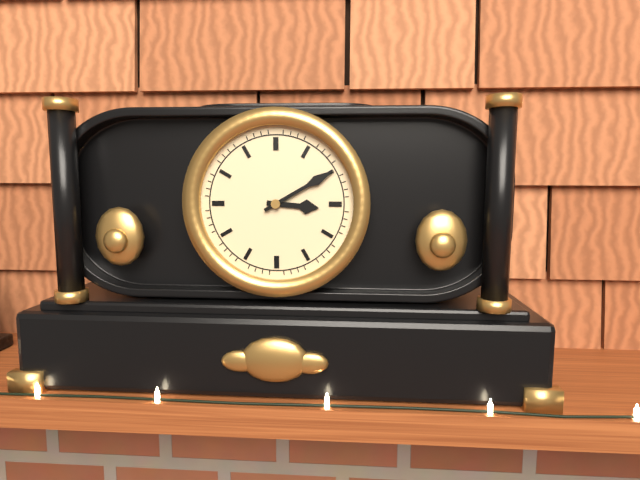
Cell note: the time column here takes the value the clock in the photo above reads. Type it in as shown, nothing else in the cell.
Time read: 3:10
